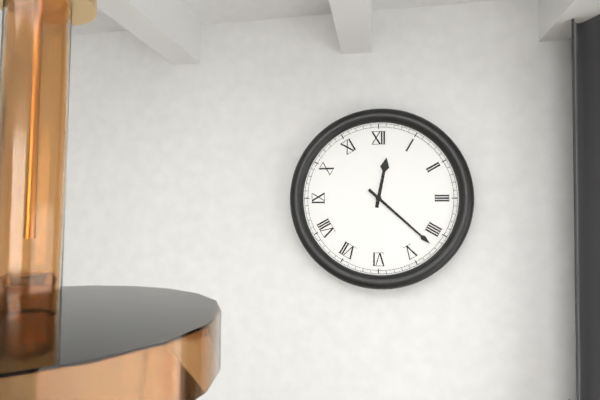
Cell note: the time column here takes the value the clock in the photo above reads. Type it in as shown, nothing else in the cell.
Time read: 12:22
